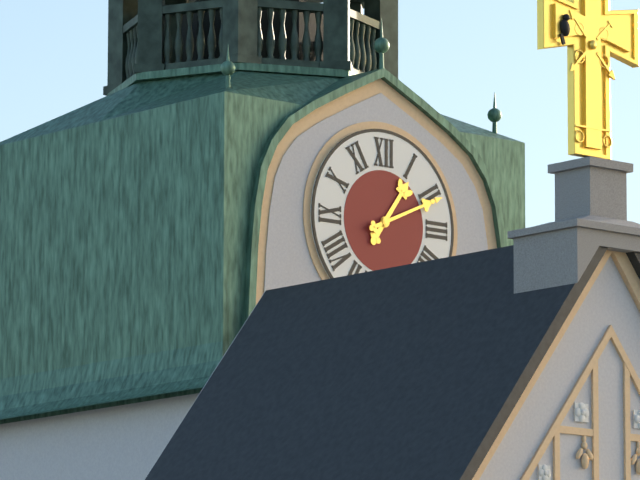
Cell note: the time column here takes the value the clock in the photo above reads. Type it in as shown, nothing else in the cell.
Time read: 1:11
